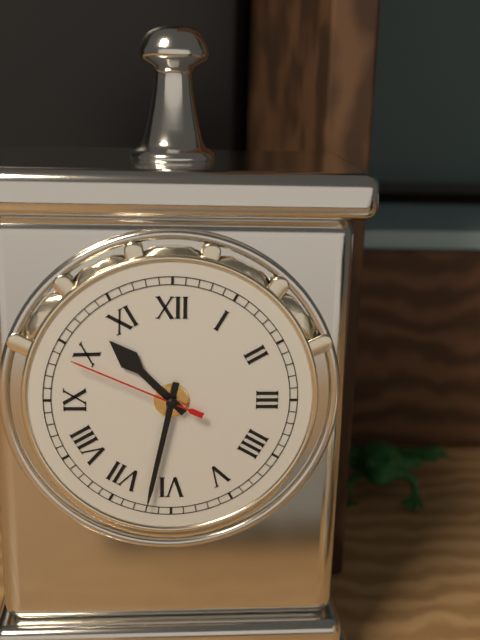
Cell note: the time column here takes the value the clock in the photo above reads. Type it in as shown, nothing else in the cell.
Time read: 10:32:49
